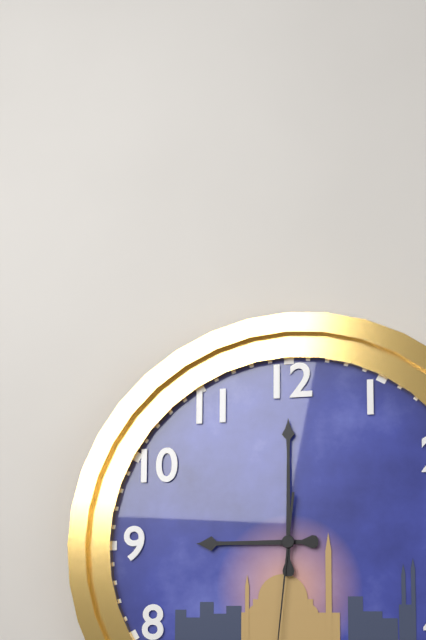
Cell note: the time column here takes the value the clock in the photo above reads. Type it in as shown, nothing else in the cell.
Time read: 9:00
